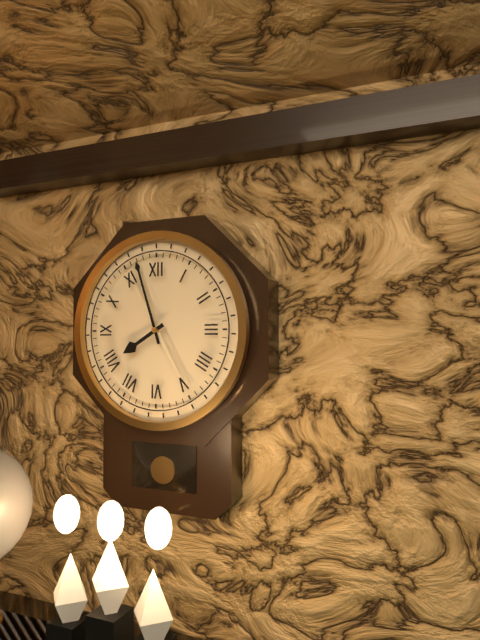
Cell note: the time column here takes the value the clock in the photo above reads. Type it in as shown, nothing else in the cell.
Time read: 7:57
